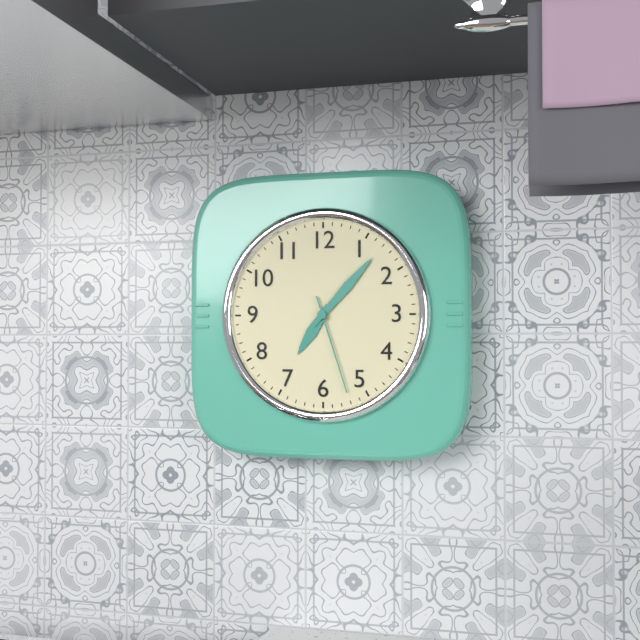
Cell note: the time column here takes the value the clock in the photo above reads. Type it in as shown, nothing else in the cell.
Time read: 7:07:27
